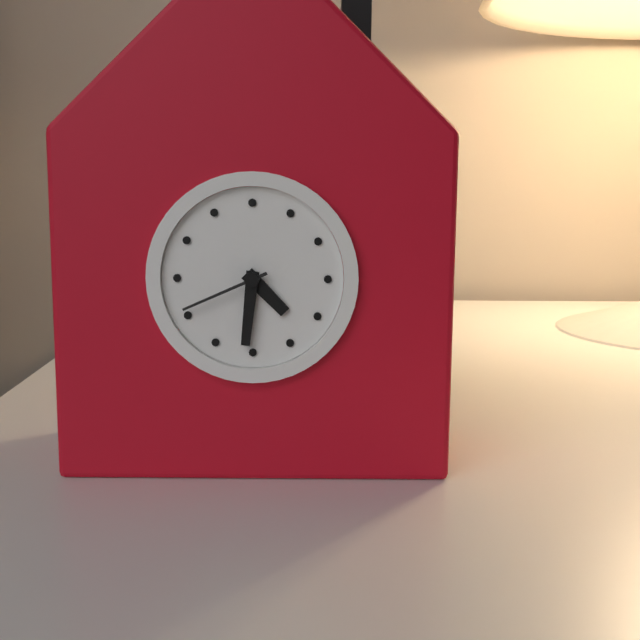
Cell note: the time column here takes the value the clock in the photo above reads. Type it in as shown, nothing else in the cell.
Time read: 4:31:41
